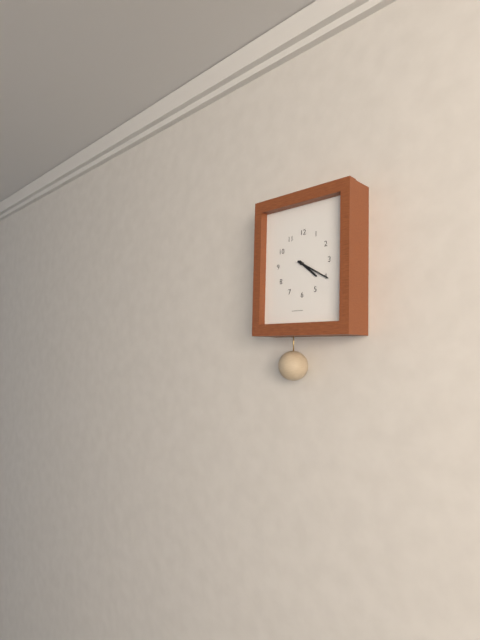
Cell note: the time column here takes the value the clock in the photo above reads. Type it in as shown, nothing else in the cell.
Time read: 4:20
